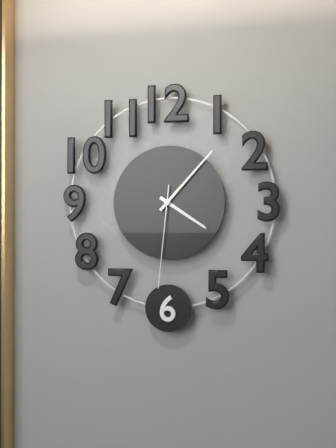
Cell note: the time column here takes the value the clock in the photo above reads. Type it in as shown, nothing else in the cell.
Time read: 4:07:31
